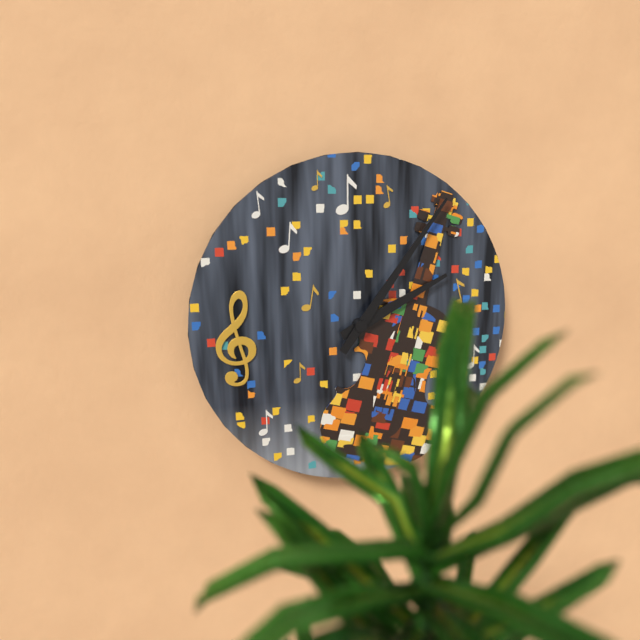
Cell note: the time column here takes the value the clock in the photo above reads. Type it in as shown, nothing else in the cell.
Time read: 2:06
